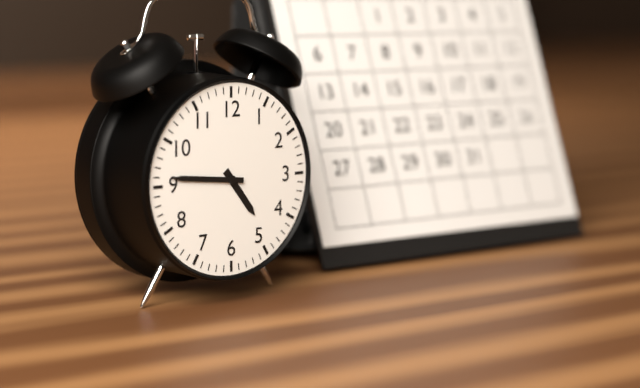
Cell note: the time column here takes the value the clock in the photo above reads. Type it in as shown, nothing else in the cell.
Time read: 4:46
